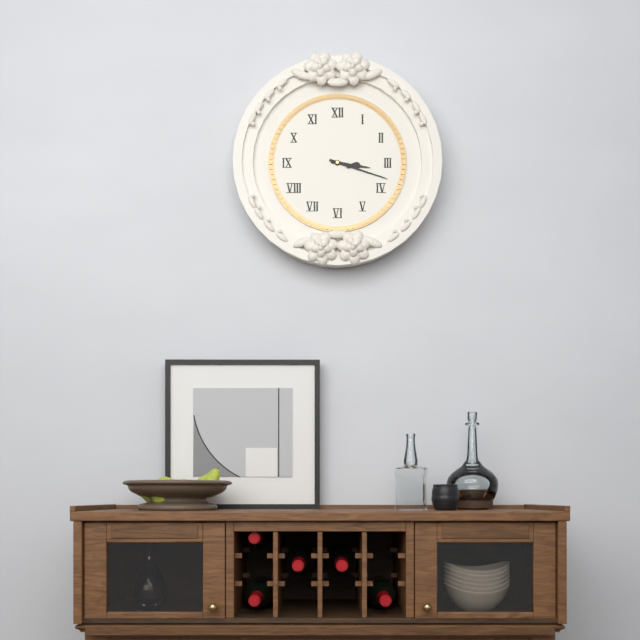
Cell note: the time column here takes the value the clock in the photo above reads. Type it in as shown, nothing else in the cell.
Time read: 3:18
